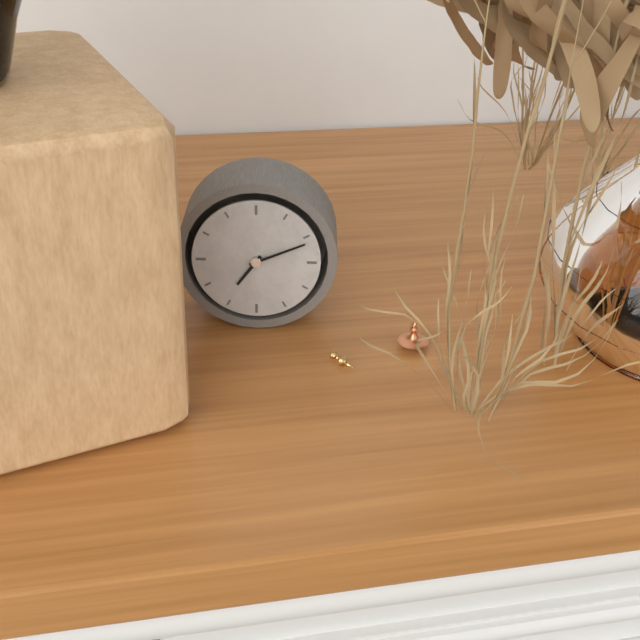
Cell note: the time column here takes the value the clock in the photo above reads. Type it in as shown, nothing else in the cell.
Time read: 7:11
